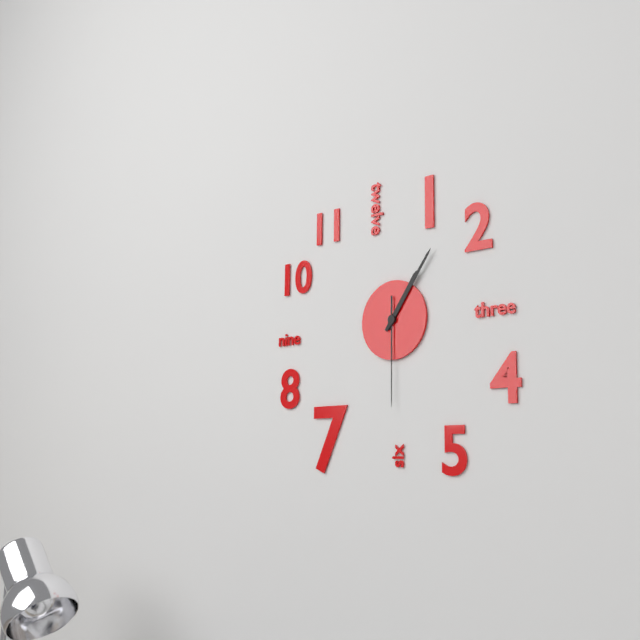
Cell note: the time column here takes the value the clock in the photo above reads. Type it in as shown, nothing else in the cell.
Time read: 1:06:30
